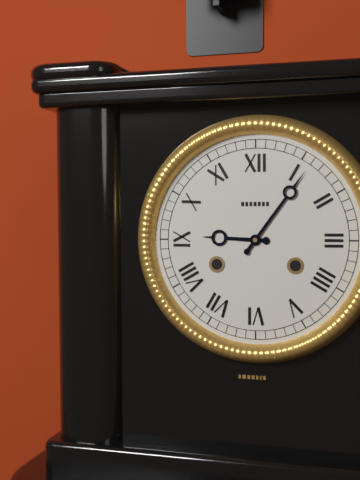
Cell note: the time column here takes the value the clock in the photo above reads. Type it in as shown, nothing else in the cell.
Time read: 9:06
